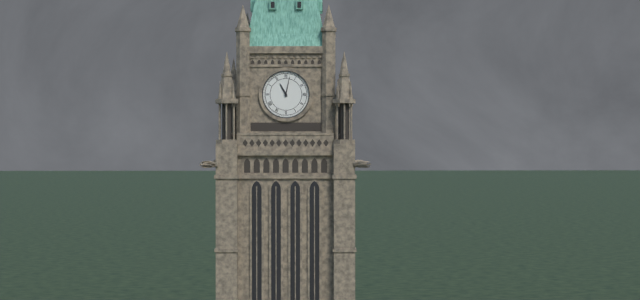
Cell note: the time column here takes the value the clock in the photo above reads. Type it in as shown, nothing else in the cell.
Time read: 11:02
